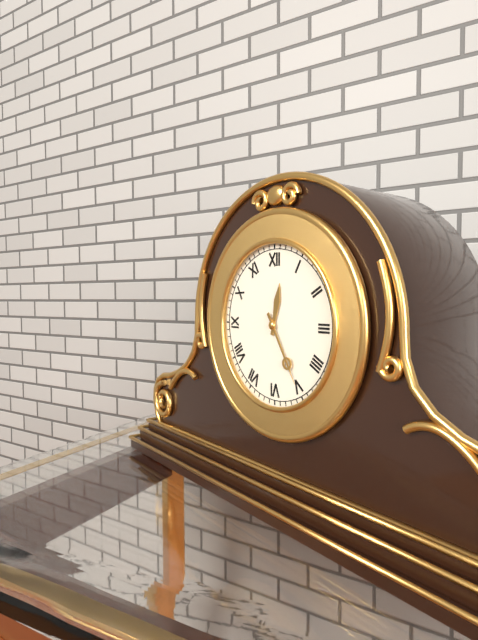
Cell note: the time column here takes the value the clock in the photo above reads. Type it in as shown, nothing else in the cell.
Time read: 12:25
